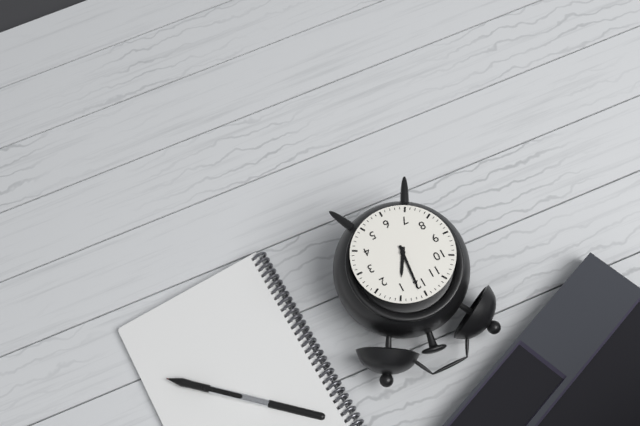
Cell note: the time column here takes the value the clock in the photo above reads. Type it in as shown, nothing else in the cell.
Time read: 1:01
